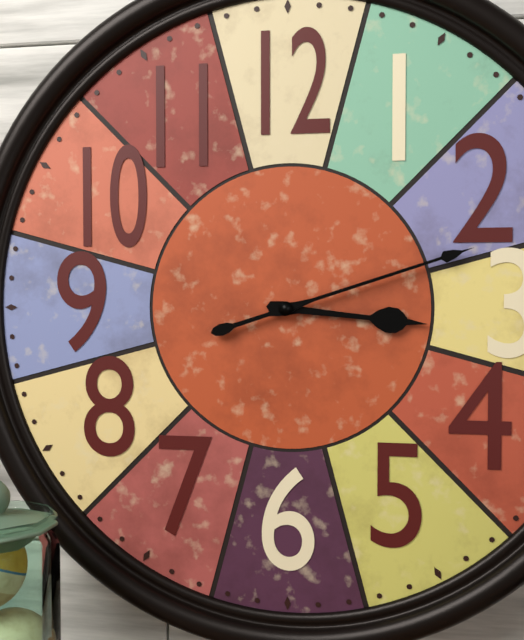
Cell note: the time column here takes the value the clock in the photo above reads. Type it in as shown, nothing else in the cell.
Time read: 3:12
